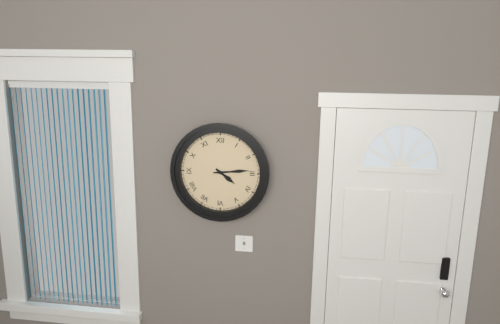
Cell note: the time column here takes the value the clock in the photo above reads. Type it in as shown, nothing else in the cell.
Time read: 4:14
